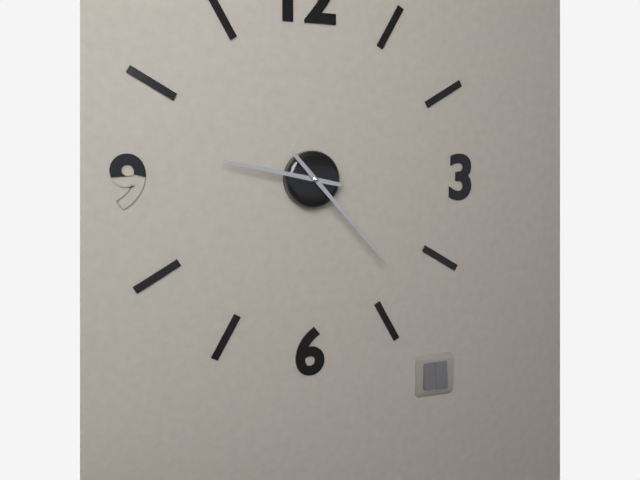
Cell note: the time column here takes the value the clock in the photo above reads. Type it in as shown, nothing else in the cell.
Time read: 9:23
